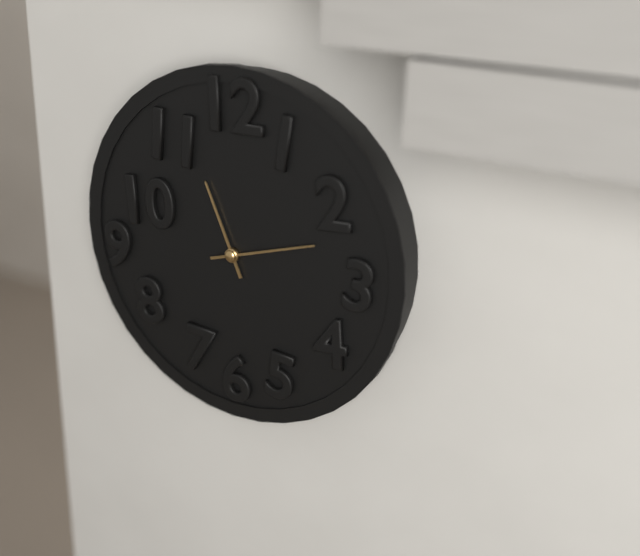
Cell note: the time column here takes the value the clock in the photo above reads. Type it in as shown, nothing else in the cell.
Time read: 11:12
